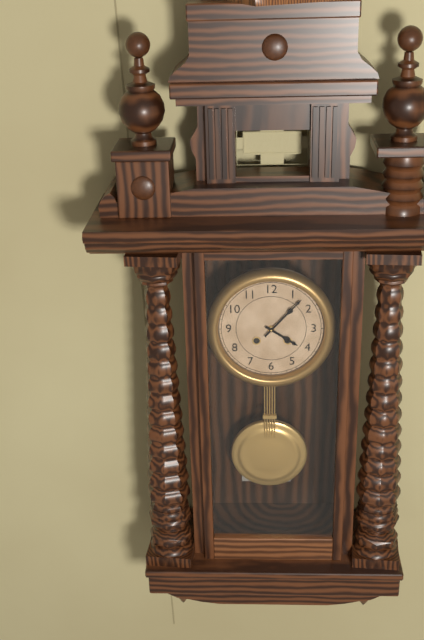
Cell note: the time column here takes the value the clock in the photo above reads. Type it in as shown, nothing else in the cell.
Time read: 4:07
